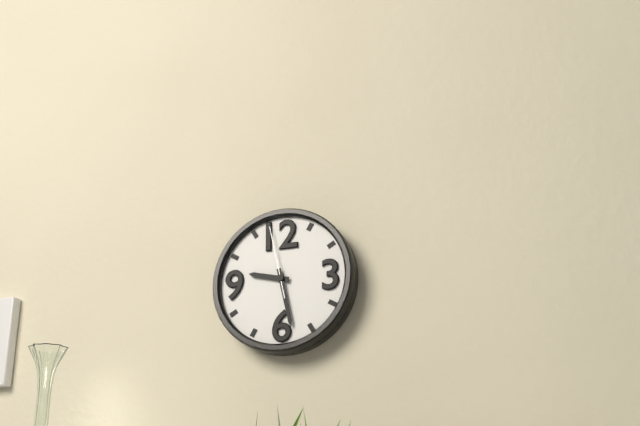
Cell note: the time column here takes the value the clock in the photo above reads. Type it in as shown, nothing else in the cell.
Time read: 9:28:58
